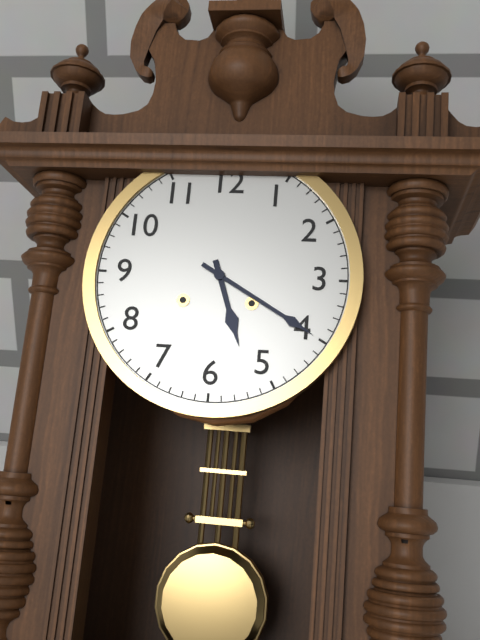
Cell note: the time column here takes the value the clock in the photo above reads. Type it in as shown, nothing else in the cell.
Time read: 5:20
